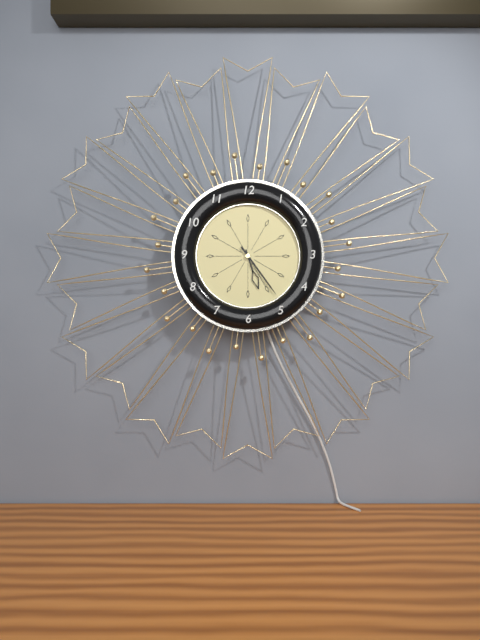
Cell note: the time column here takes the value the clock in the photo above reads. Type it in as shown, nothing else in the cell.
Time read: 5:24
